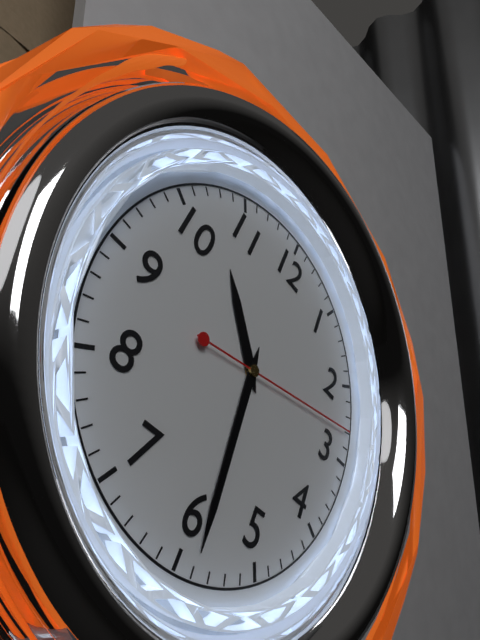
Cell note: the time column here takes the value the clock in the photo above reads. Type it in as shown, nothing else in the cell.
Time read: 10:29:13
